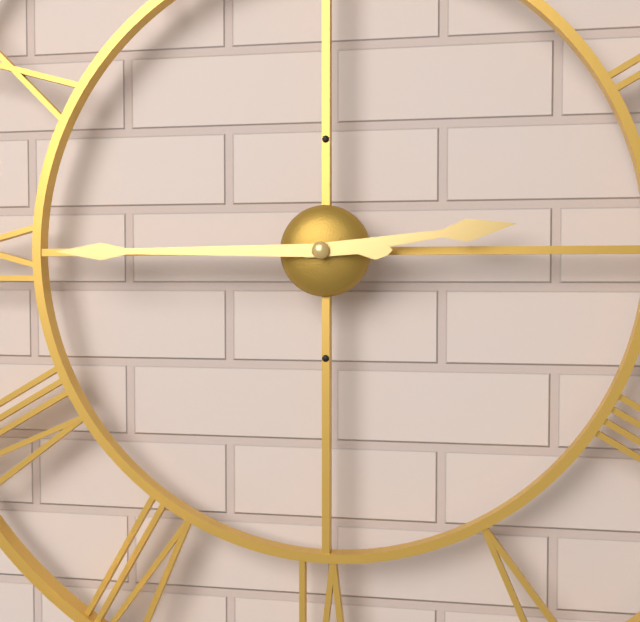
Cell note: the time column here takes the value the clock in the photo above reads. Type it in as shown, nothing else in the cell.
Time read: 2:45
